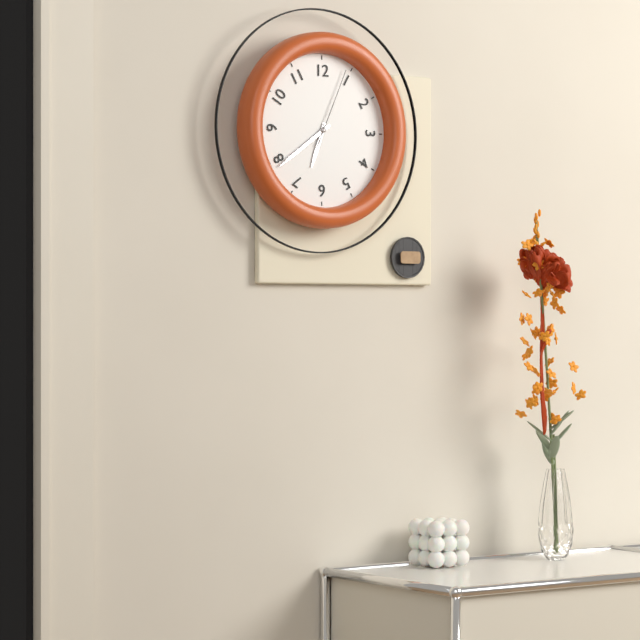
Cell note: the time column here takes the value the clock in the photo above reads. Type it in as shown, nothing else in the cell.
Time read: 6:39:04
